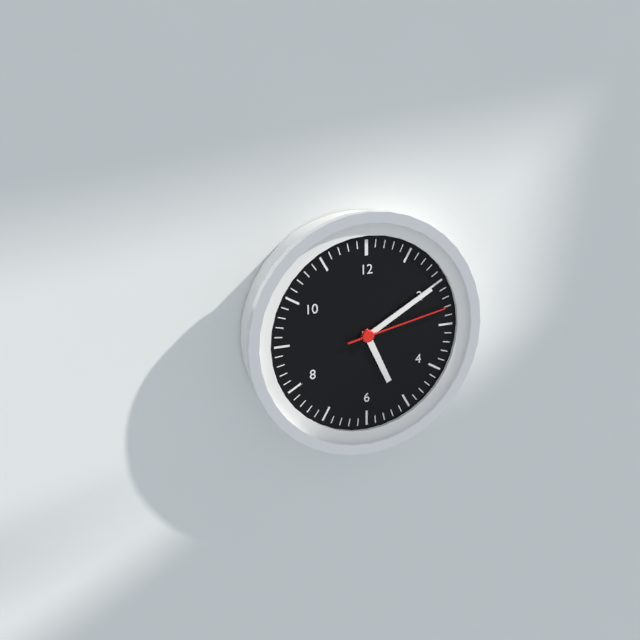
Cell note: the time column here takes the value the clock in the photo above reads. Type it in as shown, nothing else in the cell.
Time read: 5:10:13
